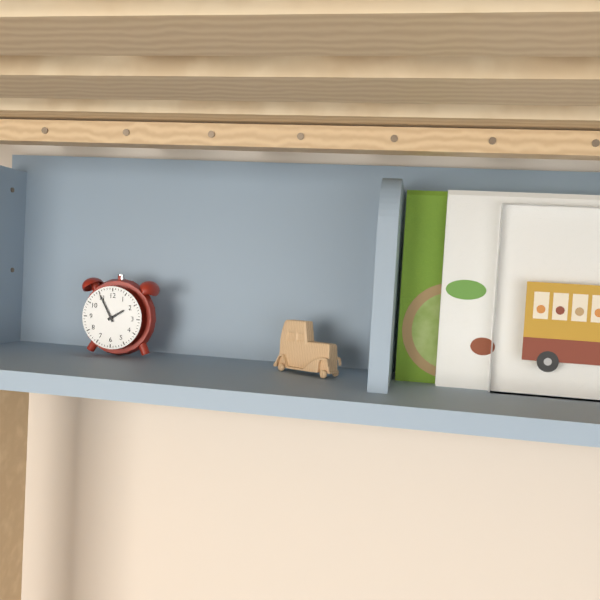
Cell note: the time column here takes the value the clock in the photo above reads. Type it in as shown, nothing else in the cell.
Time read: 1:55
